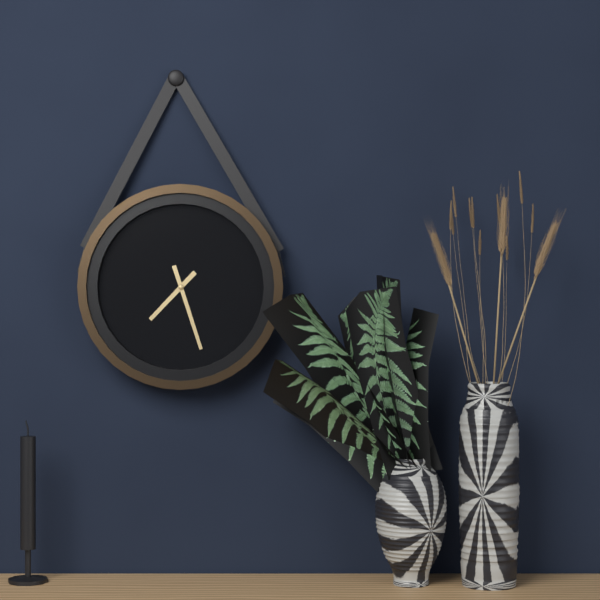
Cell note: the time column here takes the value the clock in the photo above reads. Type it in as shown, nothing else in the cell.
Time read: 7:27
